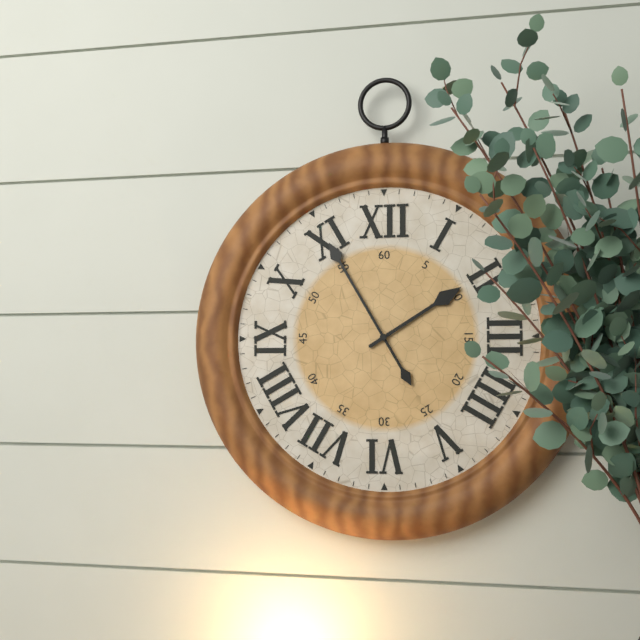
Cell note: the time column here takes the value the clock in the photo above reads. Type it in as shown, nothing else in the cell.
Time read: 1:55
